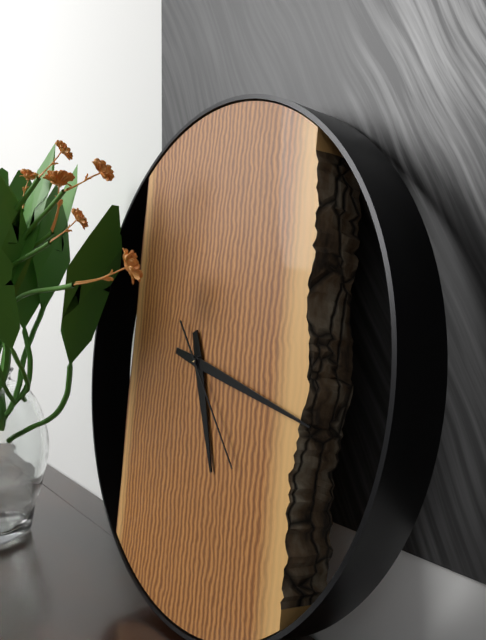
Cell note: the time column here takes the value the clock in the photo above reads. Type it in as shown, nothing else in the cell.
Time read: 5:17:23
